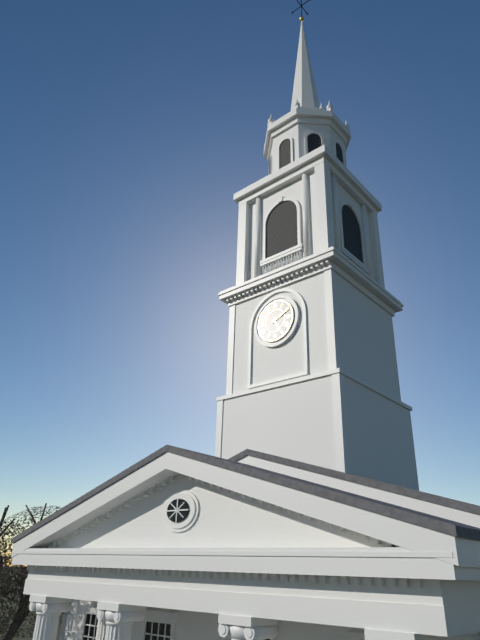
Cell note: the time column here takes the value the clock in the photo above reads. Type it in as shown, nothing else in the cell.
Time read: 5:11
